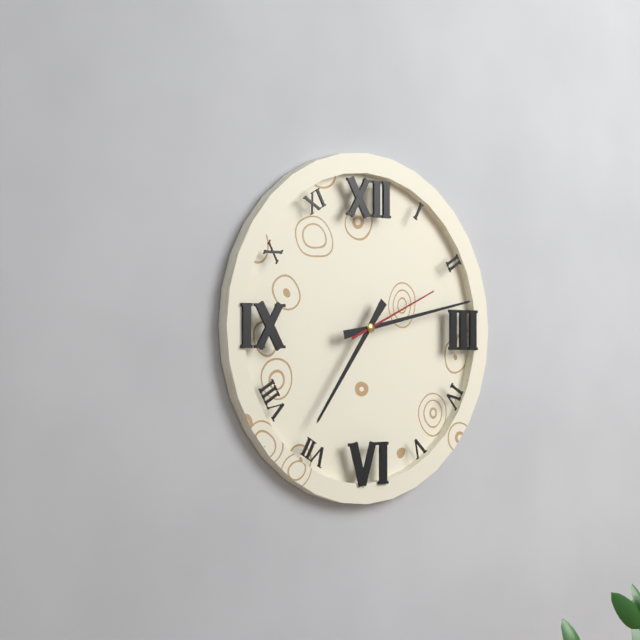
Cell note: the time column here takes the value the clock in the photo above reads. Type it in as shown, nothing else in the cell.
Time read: 7:13:11
